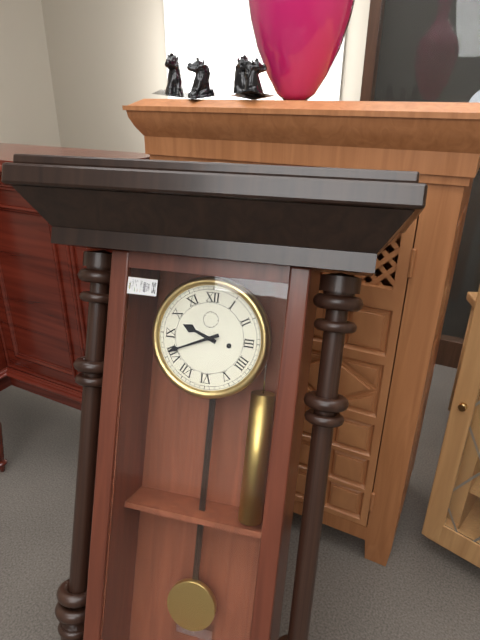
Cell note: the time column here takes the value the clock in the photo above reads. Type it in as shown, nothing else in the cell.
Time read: 9:41
